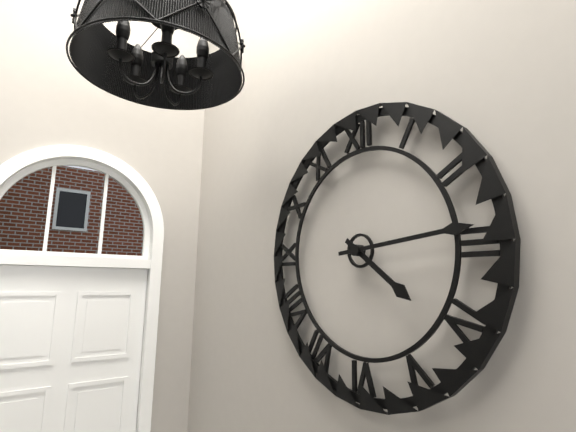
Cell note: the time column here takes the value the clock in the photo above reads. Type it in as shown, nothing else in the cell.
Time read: 4:14
